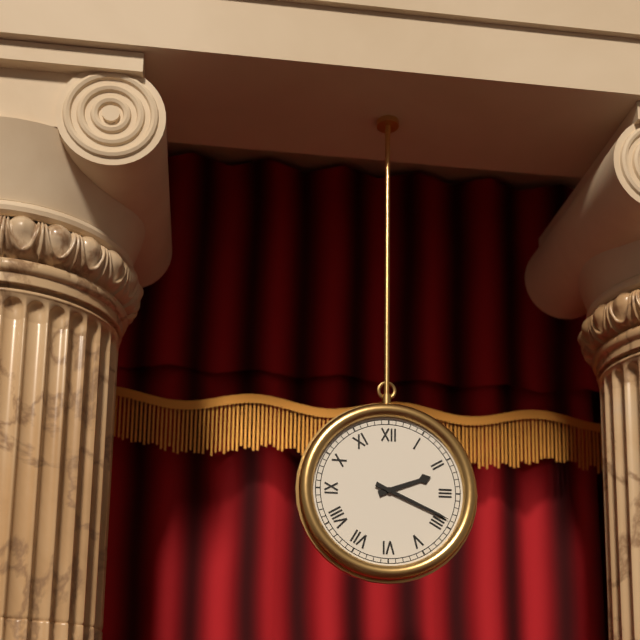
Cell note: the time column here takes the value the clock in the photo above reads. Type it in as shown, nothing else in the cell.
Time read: 2:19
